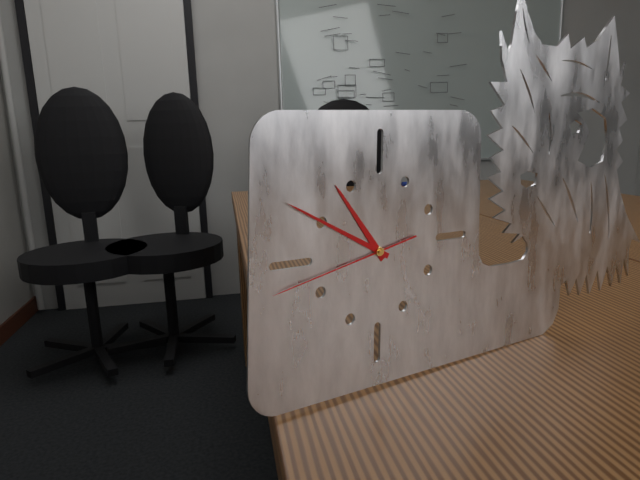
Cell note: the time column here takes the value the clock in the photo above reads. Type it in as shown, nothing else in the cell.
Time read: 10:50:43
